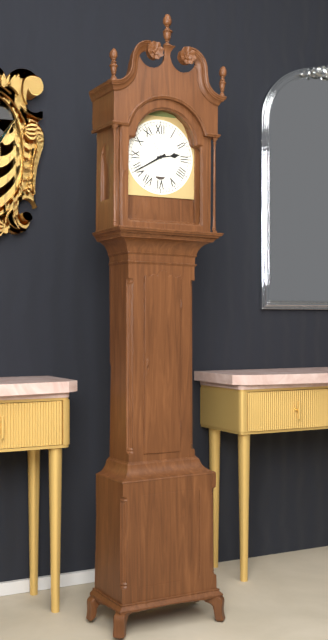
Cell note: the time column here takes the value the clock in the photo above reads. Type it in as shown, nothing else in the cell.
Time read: 2:40
